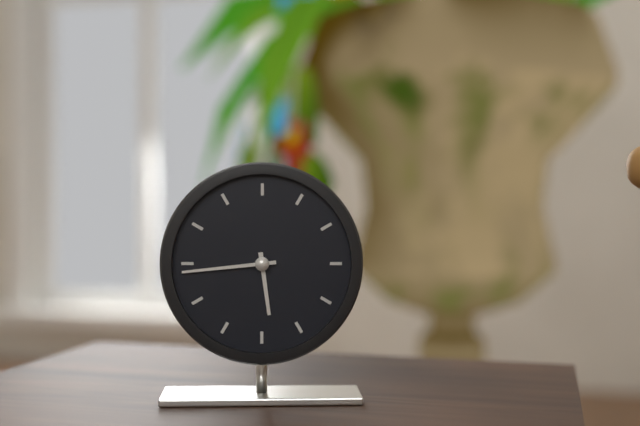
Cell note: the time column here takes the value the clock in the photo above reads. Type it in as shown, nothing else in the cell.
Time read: 5:44
